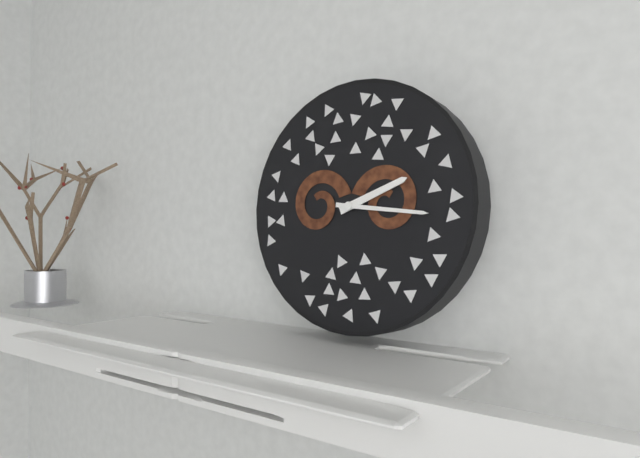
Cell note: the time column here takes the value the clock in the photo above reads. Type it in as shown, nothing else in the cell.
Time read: 2:16
